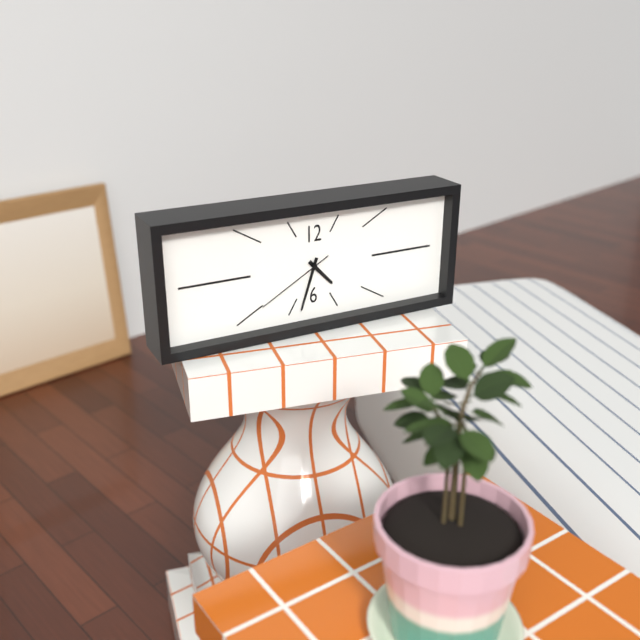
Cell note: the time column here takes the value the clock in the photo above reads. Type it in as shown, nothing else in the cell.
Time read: 4:33:40
